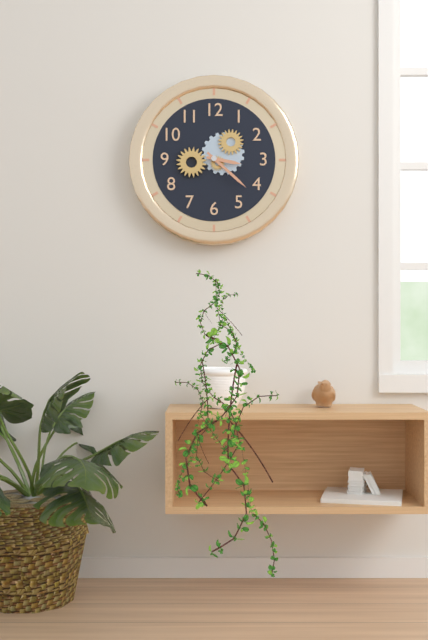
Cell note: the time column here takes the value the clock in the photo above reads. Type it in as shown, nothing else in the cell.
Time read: 3:22
